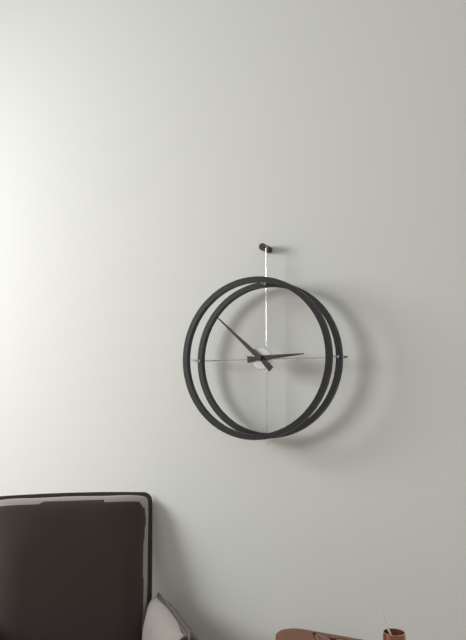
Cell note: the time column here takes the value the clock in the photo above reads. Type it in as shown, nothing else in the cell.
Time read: 2:52
